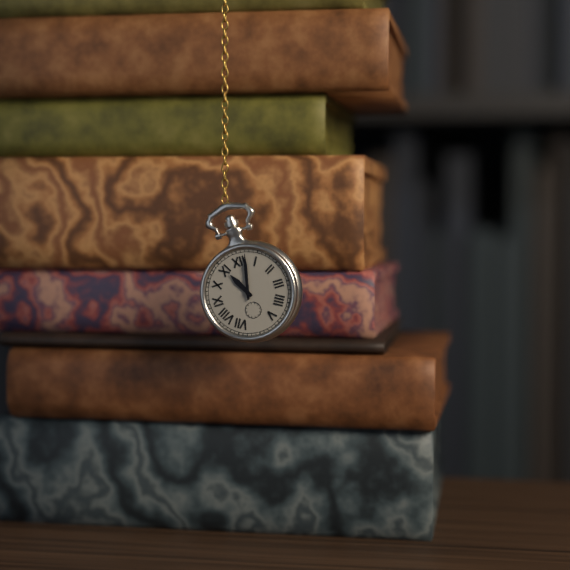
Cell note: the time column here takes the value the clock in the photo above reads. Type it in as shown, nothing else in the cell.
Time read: 11:02
